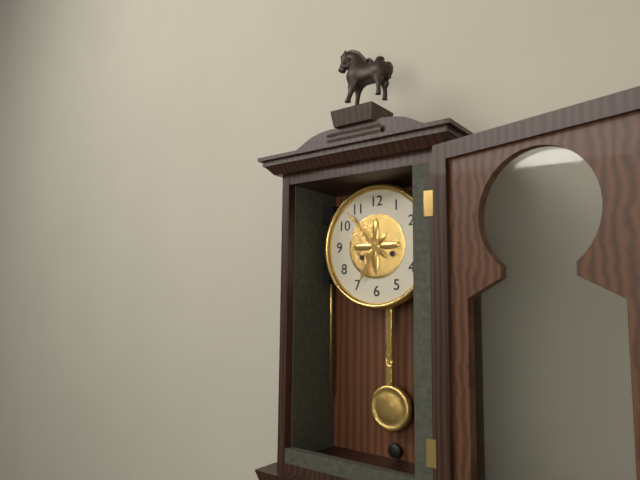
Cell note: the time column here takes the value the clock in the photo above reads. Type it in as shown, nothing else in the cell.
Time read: 6:53
